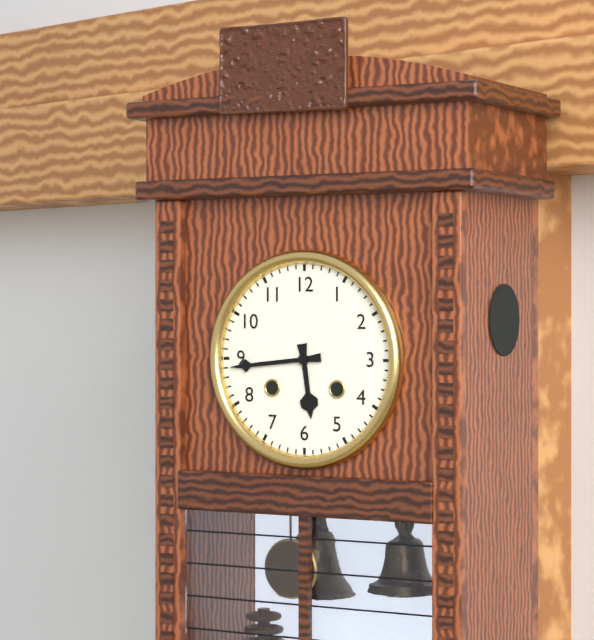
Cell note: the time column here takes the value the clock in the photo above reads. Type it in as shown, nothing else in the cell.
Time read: 5:44
